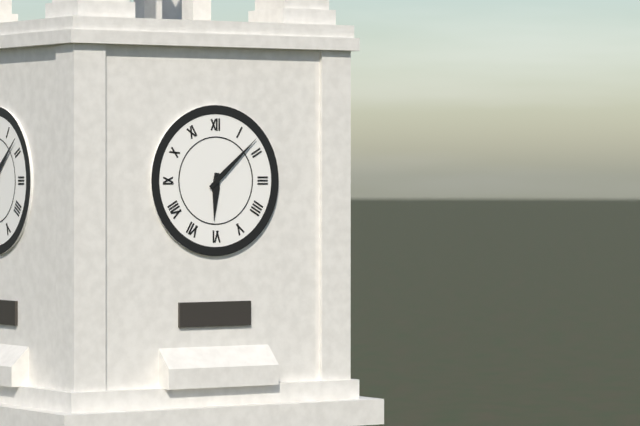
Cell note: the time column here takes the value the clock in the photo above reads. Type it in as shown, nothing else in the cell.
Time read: 6:08
